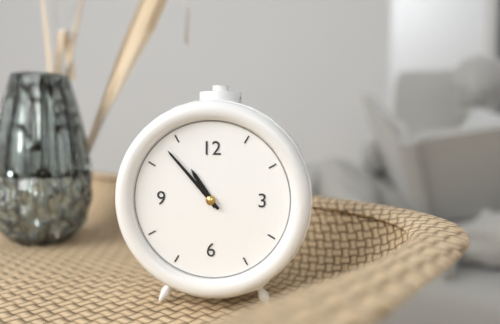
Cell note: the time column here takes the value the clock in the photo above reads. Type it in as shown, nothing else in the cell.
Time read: 10:53
